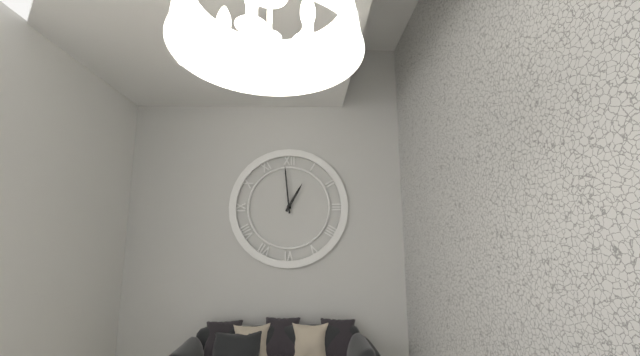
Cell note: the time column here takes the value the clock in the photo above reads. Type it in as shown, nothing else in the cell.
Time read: 12:59
